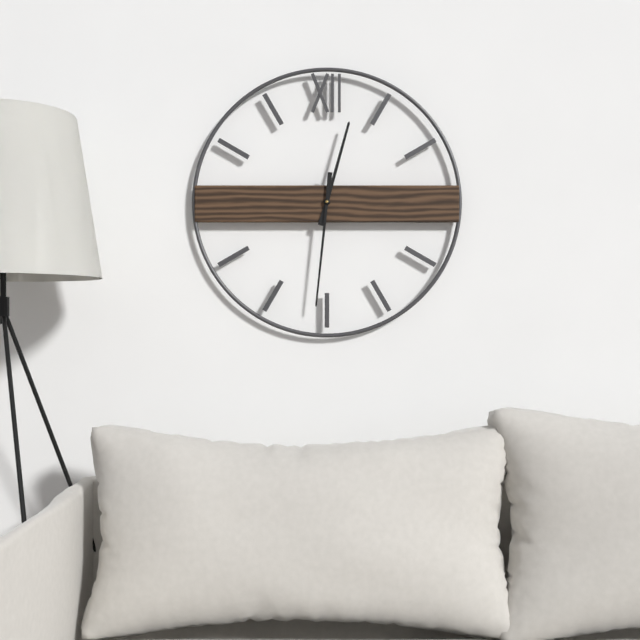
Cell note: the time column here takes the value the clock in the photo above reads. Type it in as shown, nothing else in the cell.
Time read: 12:31
